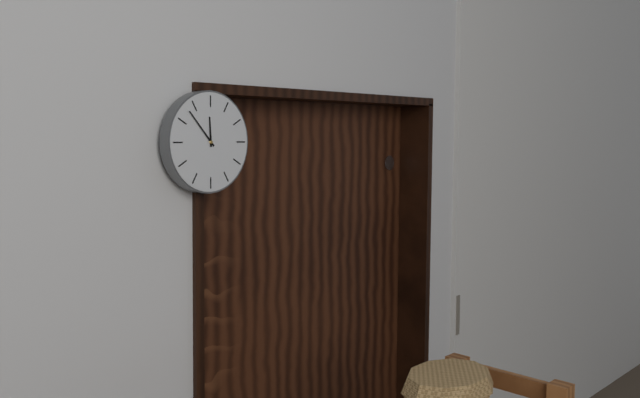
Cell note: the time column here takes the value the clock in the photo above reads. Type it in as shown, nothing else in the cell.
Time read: 11:53
